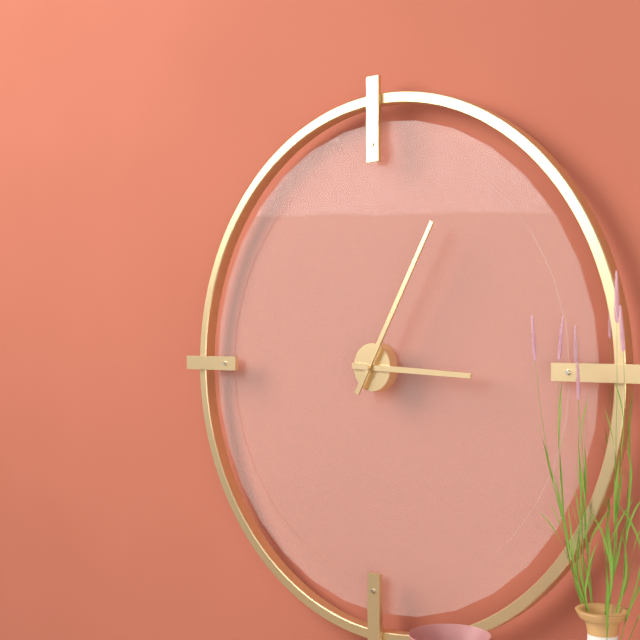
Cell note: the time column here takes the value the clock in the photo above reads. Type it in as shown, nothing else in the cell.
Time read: 3:05
